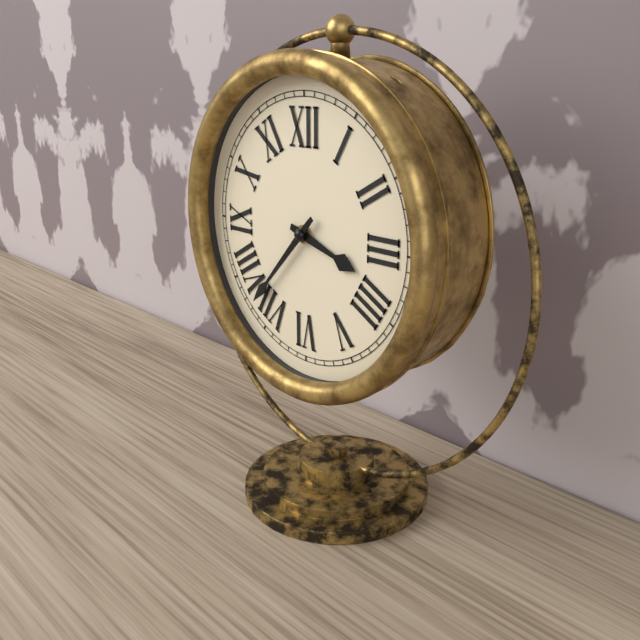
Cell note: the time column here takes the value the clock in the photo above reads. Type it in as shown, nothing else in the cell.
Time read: 3:37
